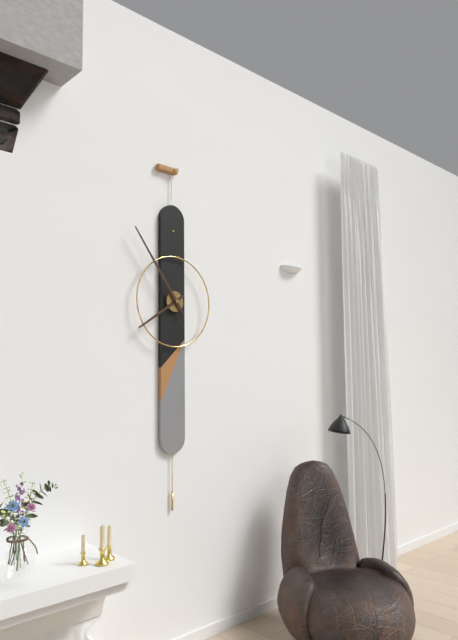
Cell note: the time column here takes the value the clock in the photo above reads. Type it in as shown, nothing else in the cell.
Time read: 7:54
